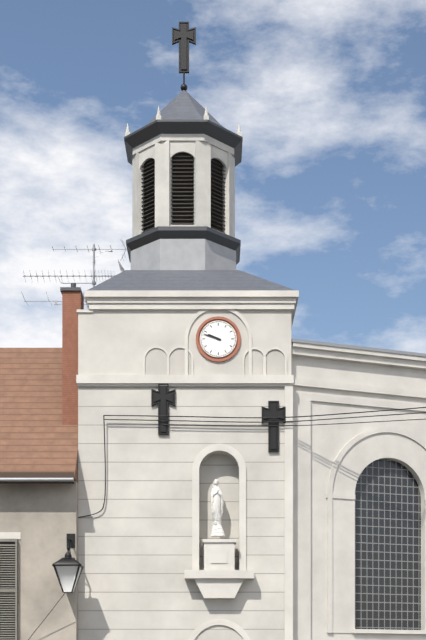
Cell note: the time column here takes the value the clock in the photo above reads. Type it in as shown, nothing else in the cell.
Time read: 9:48
